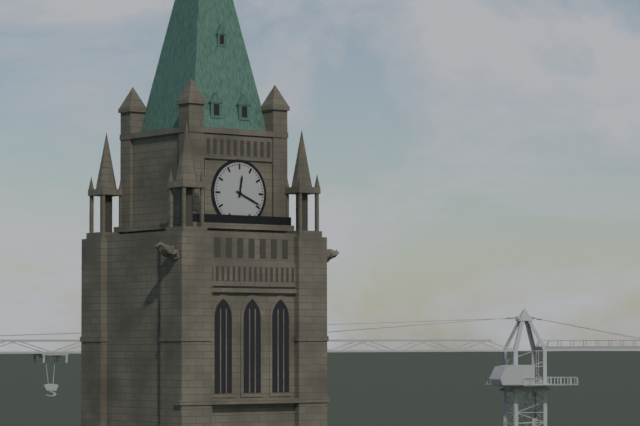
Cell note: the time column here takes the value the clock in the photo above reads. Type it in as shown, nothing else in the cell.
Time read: 12:19
